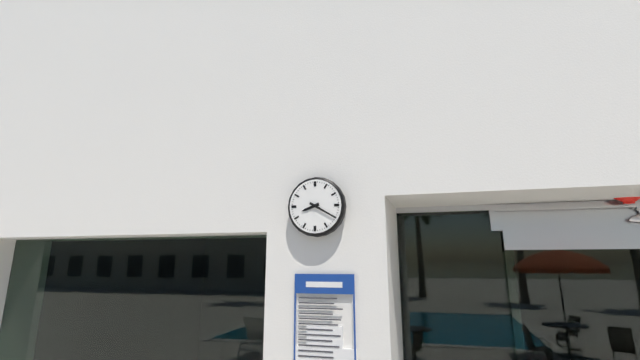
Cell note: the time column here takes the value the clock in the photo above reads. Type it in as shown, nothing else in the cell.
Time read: 8:20
